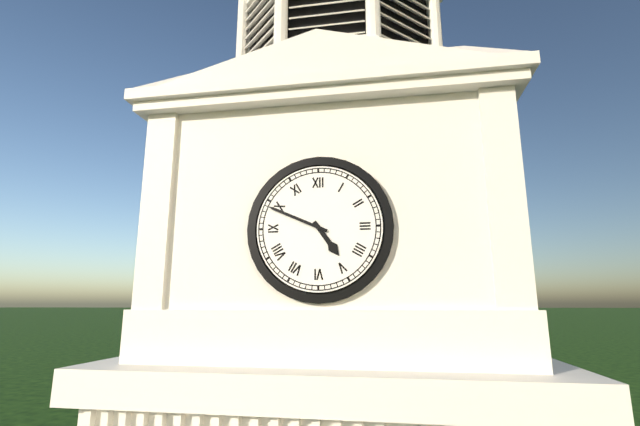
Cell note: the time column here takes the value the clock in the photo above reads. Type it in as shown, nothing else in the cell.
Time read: 4:49
